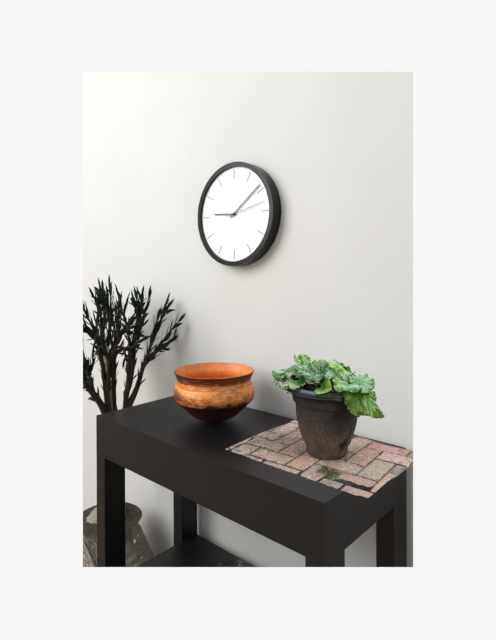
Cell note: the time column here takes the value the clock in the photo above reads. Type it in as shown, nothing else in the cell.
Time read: 9:09
